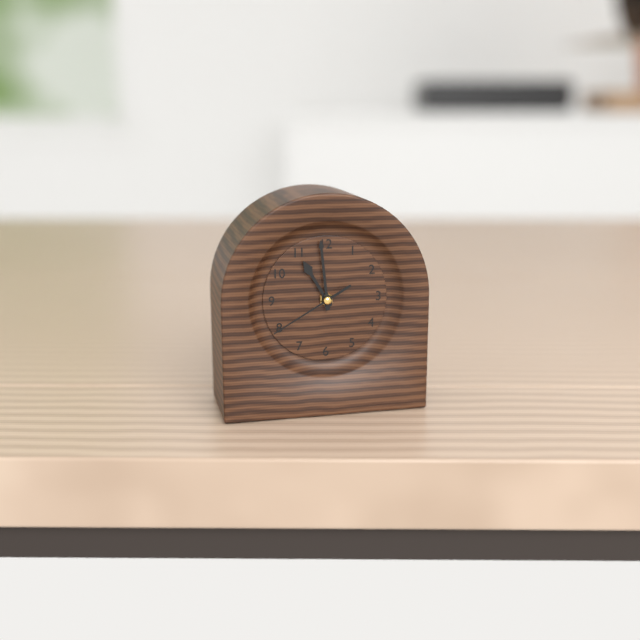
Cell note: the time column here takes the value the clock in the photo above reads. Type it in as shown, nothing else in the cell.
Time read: 10:59:40
